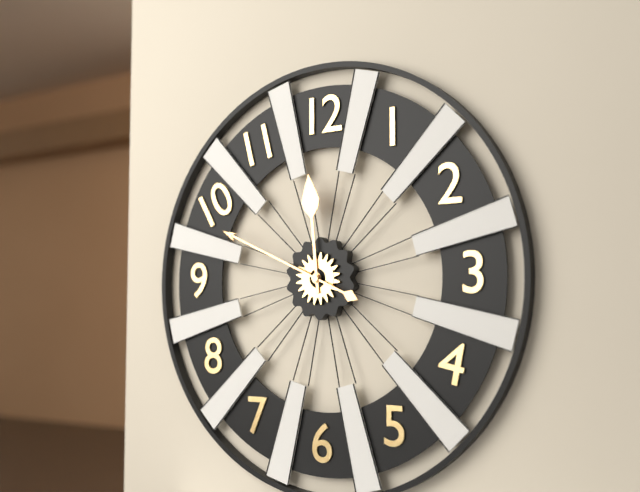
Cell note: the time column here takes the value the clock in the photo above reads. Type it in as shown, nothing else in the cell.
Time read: 11:49
